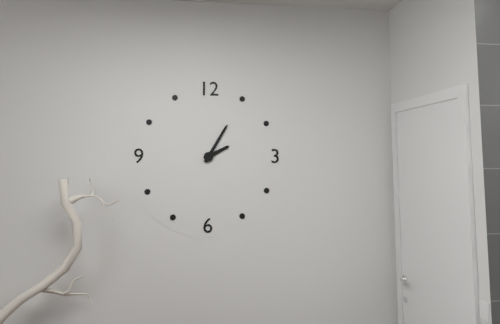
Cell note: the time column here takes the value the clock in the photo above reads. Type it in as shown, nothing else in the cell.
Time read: 2:05
